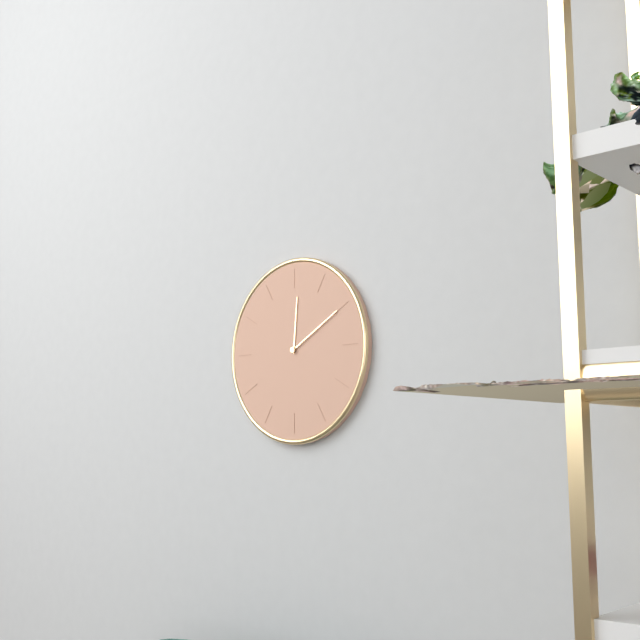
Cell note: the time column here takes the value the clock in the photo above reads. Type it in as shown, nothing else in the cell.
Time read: 12:10
